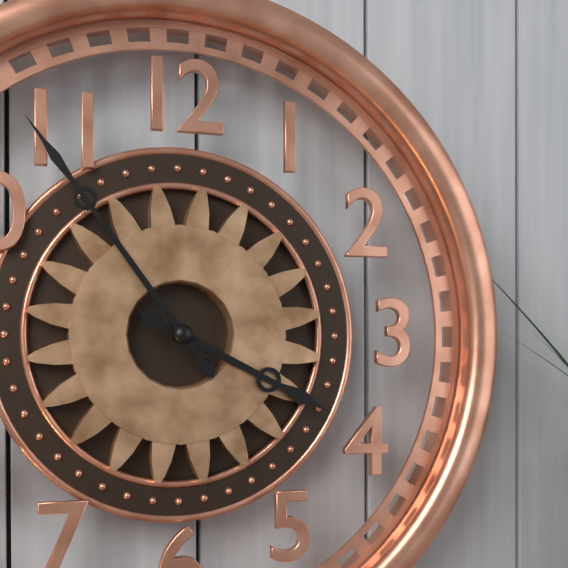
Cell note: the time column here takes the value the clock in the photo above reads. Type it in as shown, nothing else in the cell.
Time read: 3:54
